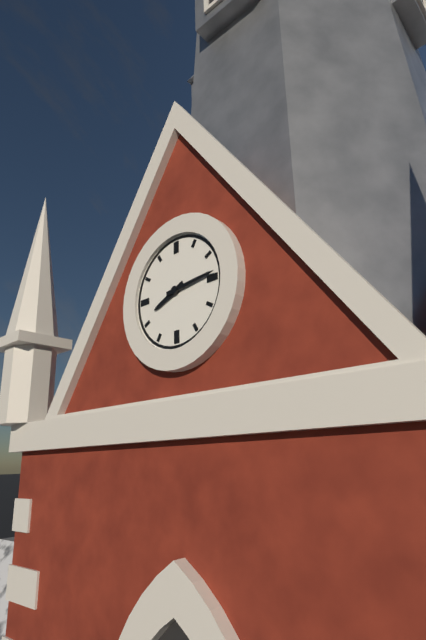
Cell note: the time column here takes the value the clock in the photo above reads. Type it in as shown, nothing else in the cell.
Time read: 8:14
